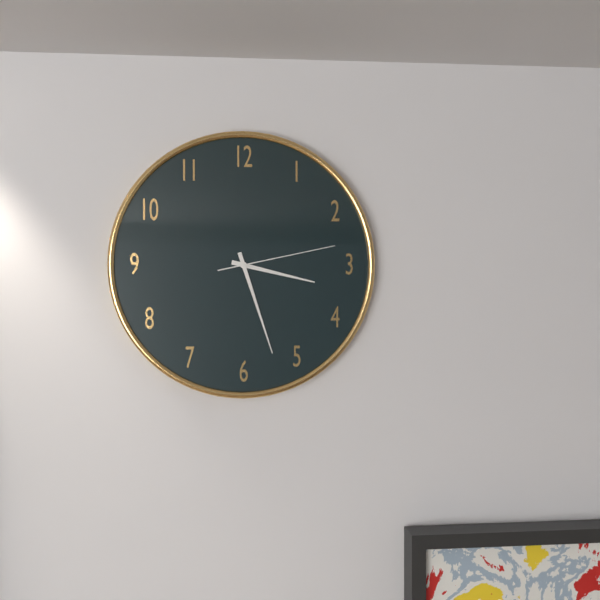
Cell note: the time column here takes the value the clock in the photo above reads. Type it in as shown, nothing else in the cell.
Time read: 3:27:13
